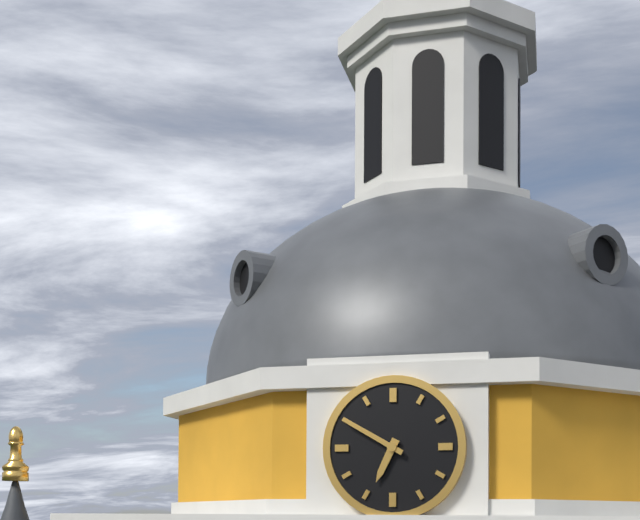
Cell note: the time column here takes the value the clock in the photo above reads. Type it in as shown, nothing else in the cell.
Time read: 6:50
